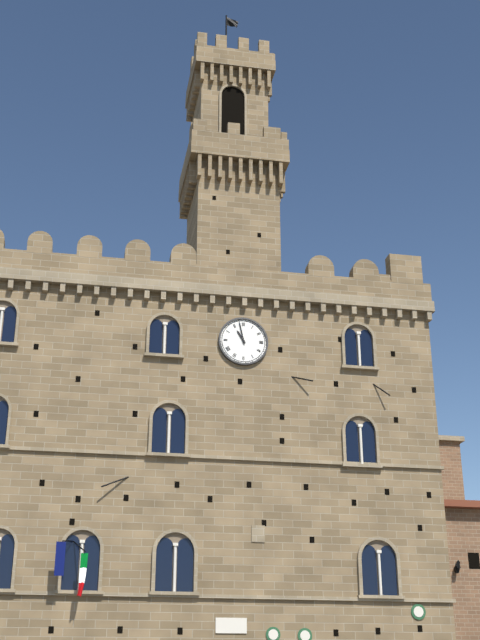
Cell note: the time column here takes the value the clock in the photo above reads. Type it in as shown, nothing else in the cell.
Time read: 10:58
